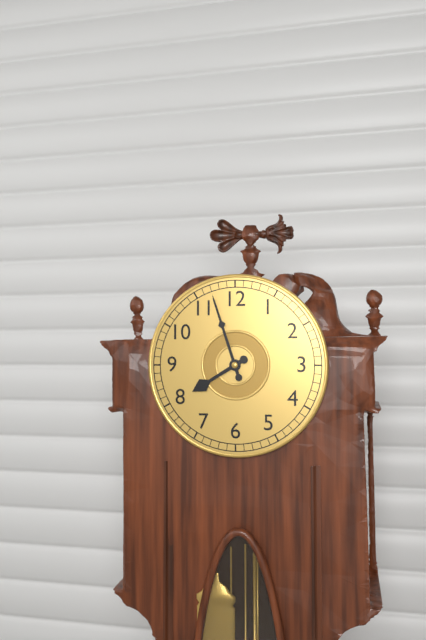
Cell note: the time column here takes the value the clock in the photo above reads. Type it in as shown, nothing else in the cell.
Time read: 7:57
